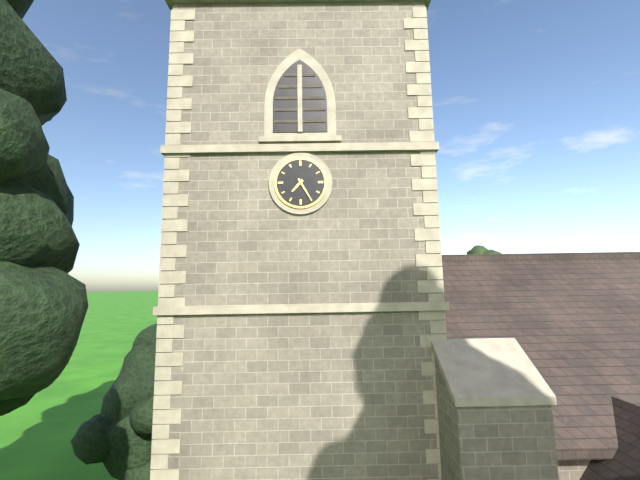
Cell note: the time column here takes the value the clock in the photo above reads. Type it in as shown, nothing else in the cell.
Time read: 7:25
